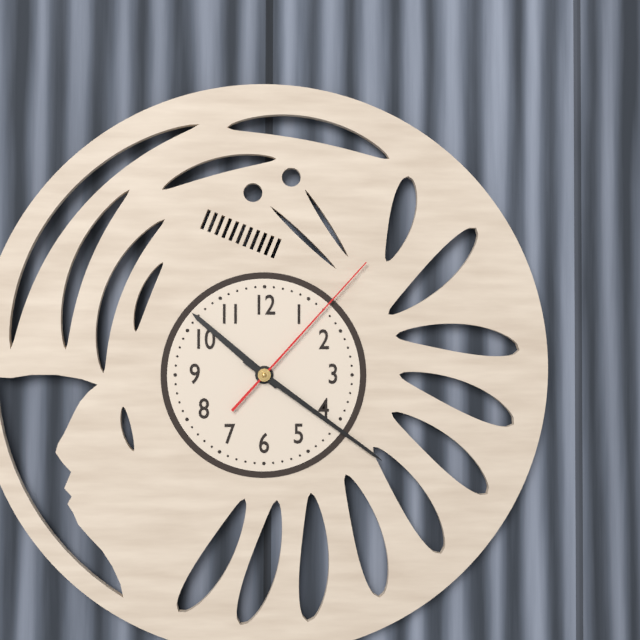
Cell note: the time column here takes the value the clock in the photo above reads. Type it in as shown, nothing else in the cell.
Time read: 10:21:07
